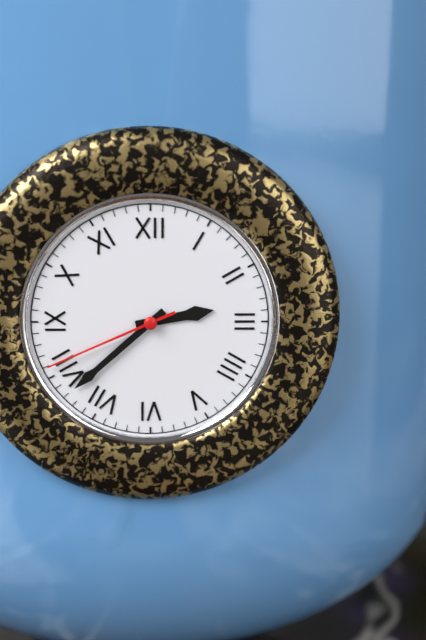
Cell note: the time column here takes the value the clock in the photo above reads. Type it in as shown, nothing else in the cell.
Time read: 2:38:41
